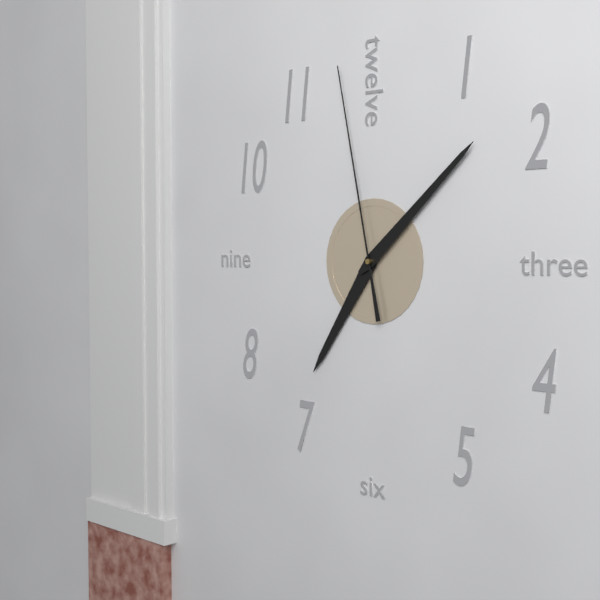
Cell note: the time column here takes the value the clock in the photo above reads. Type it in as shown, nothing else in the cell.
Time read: 7:08:58
